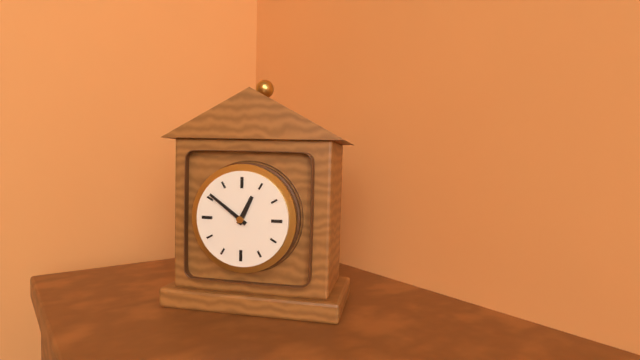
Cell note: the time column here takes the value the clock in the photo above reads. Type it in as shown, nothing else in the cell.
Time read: 12:51
